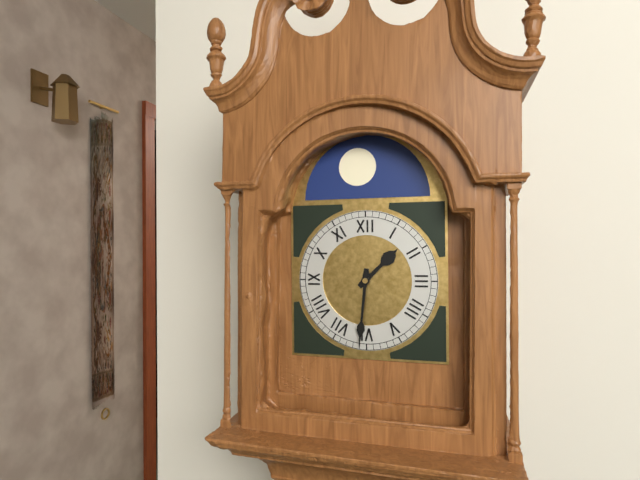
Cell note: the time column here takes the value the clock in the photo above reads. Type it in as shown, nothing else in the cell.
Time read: 1:31
